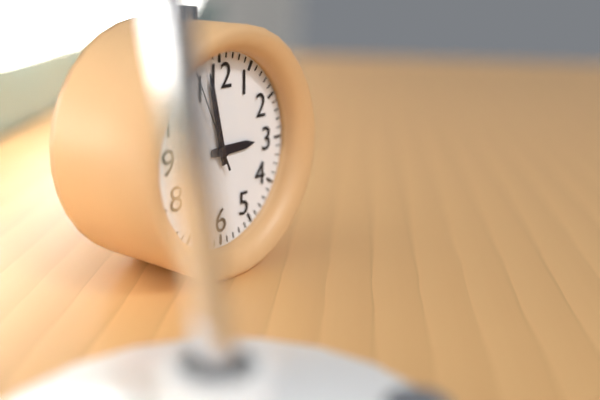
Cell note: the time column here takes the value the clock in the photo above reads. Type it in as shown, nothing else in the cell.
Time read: 2:58:56
